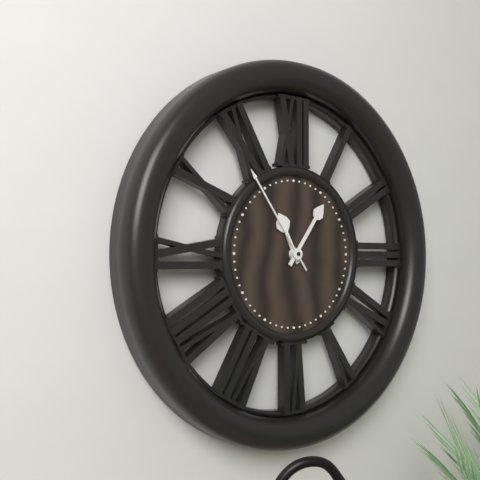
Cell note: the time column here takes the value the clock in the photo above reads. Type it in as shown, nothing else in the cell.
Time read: 11:06:54
